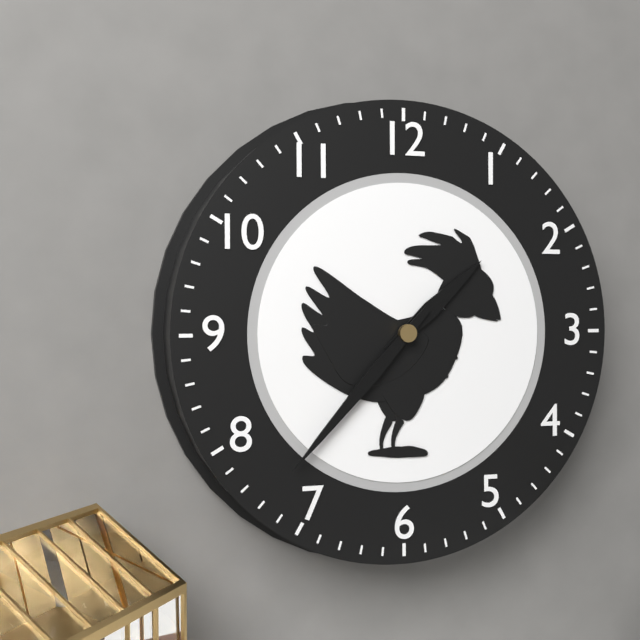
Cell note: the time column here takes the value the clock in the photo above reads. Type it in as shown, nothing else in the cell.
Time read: 1:37
